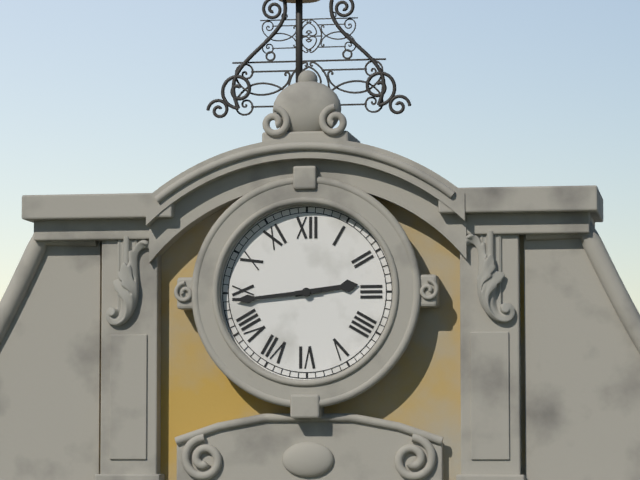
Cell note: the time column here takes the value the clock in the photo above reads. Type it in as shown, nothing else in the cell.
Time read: 2:44
